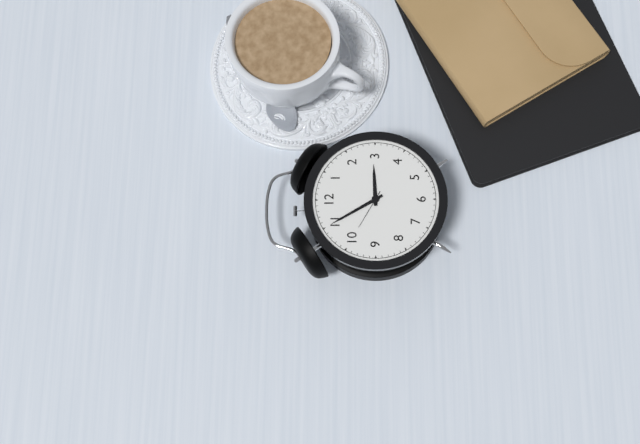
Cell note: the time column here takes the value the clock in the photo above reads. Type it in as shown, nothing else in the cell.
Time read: 2:55
